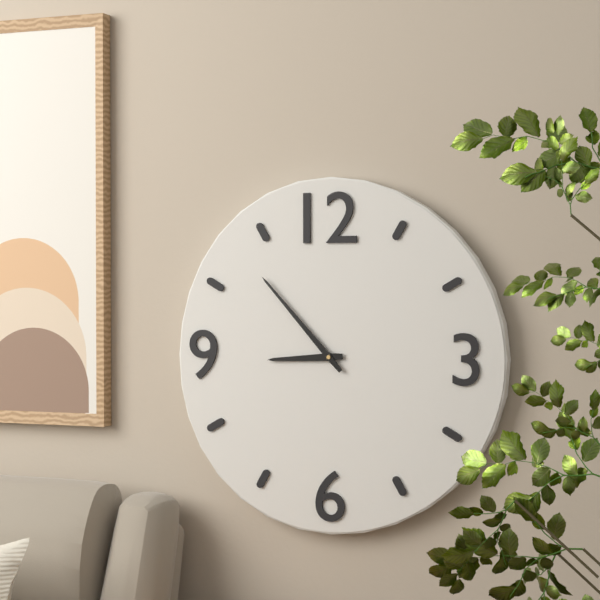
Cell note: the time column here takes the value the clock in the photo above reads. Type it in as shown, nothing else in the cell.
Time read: 8:53
